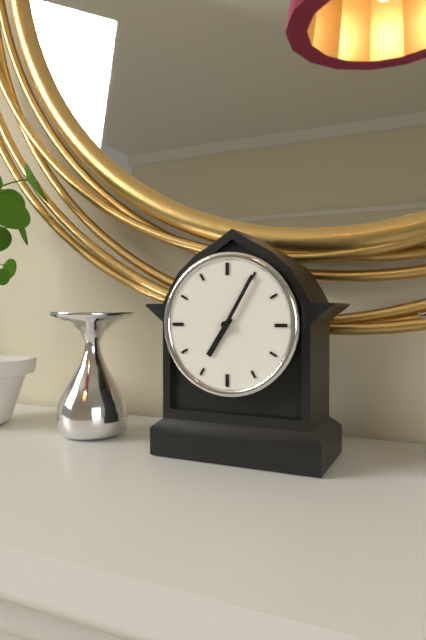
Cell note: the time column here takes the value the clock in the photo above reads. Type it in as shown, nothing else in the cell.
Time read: 7:05
